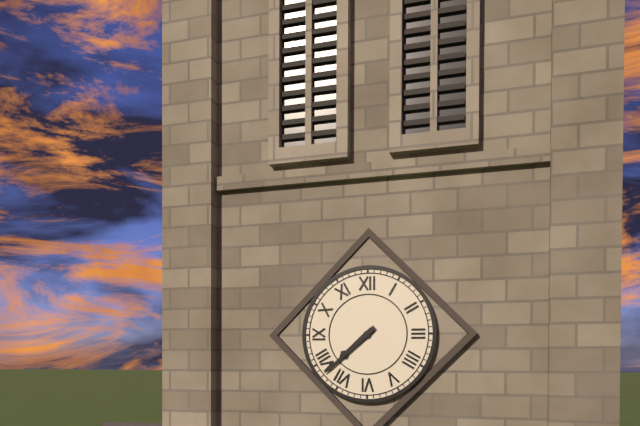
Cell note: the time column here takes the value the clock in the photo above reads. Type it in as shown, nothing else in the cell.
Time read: 7:38
